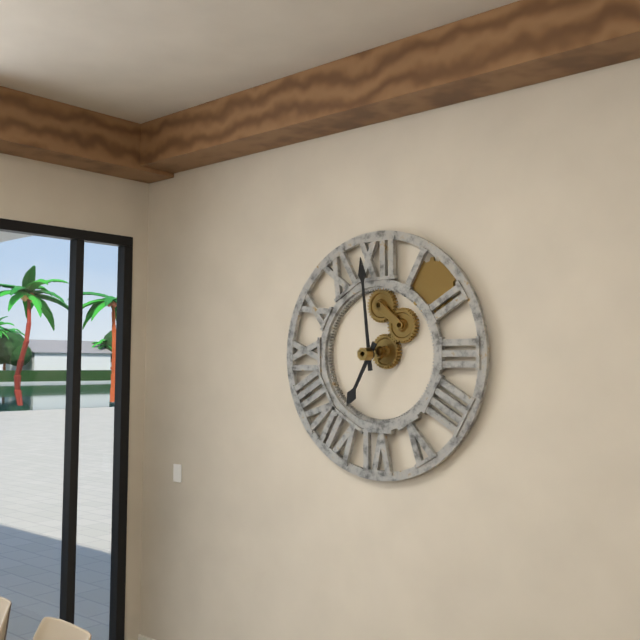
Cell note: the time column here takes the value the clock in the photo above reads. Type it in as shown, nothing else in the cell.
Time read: 6:59
